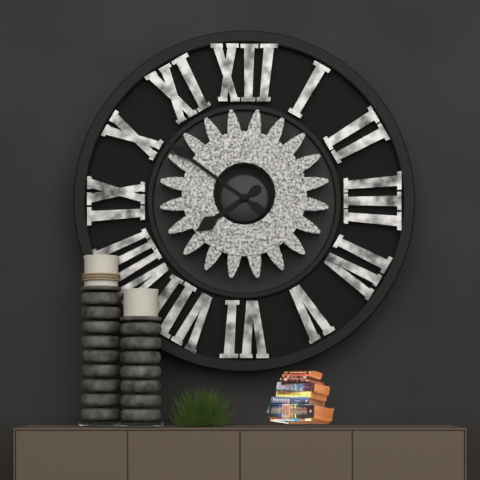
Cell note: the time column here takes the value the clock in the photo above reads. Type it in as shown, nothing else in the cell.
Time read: 7:51
